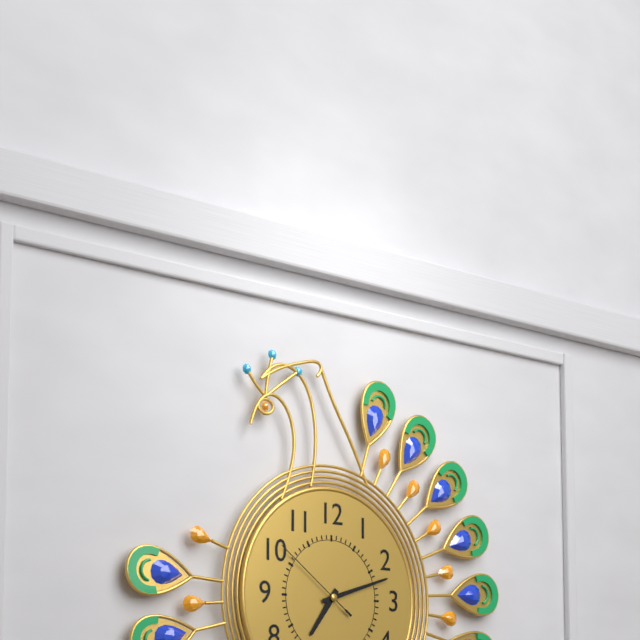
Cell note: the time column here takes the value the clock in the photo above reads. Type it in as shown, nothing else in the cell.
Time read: 7:12:51
